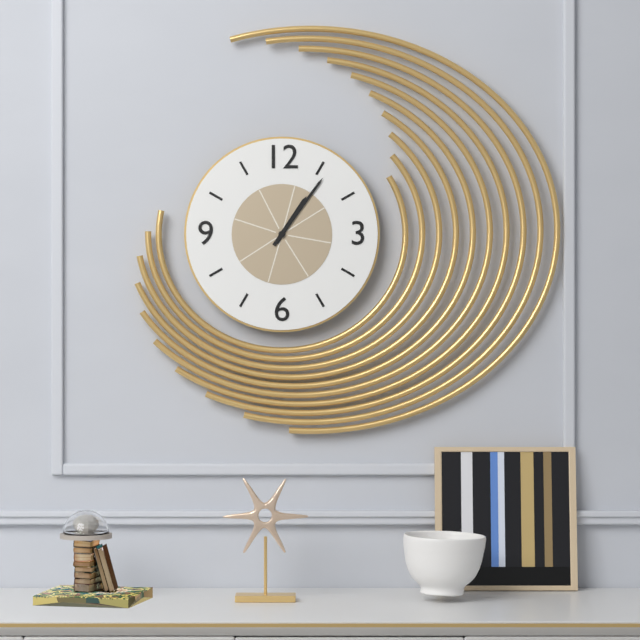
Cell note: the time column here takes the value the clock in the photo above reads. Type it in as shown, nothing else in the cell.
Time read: 1:06
